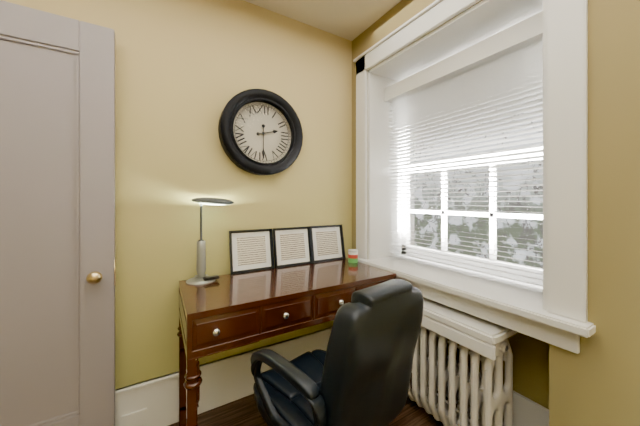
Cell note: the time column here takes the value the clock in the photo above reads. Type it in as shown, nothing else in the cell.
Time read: 2:30
